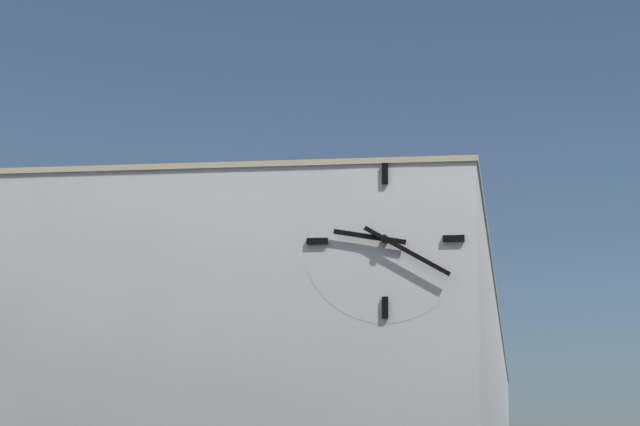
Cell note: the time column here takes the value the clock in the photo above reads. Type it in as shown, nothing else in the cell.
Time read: 9:20
